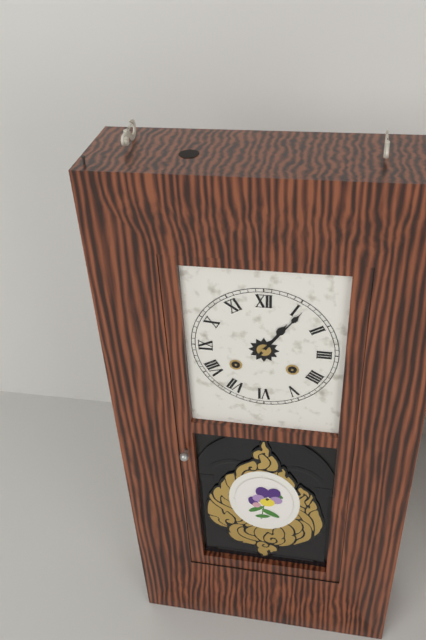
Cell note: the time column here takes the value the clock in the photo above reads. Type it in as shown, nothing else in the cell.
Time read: 1:06
